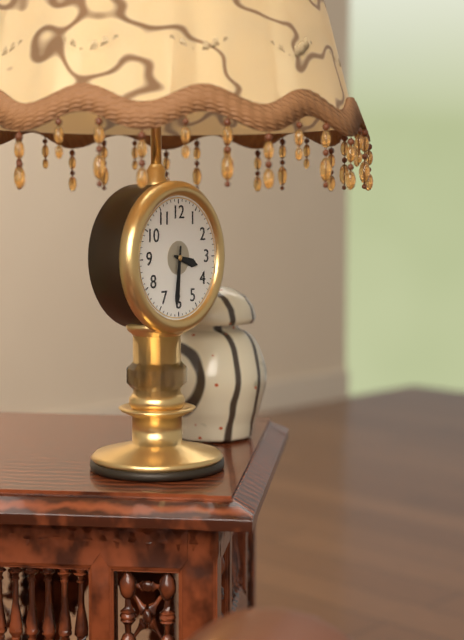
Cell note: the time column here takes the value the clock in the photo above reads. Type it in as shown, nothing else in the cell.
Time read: 3:31
